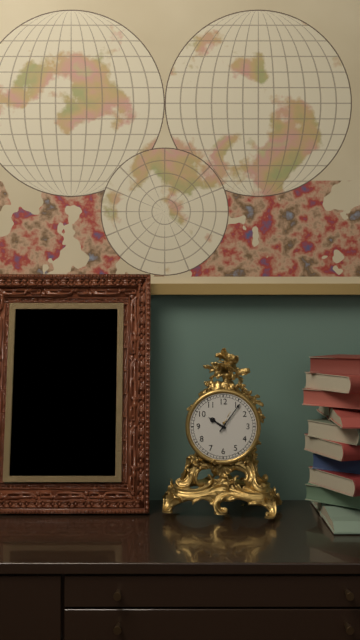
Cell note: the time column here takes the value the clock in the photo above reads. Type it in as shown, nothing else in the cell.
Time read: 10:06
